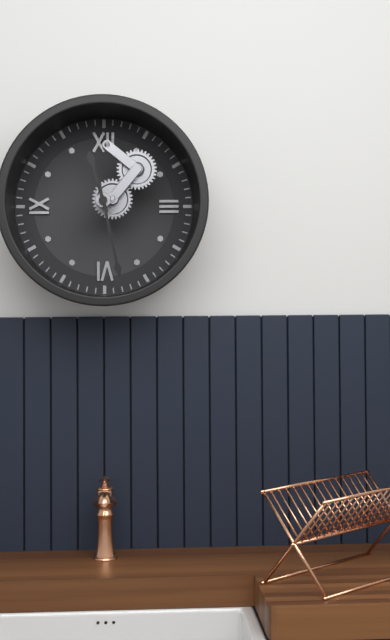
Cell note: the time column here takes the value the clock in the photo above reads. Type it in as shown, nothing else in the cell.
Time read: 11:28
